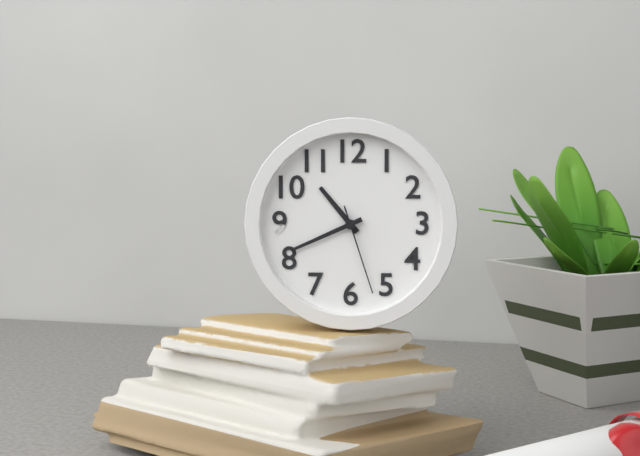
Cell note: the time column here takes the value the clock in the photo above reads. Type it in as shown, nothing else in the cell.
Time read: 10:41:27
